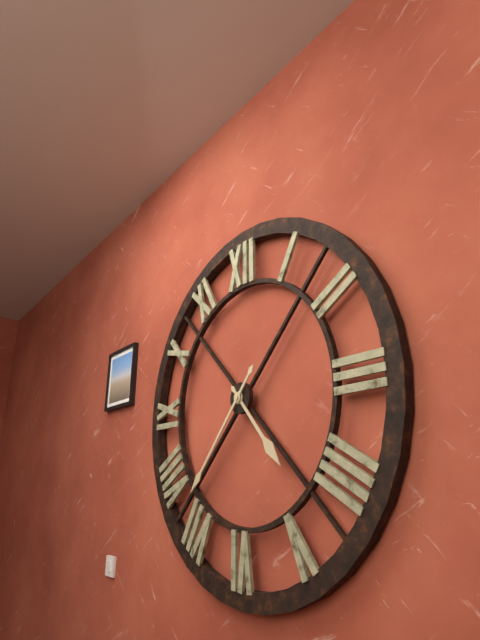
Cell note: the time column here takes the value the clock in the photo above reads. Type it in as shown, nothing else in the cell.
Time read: 4:37
